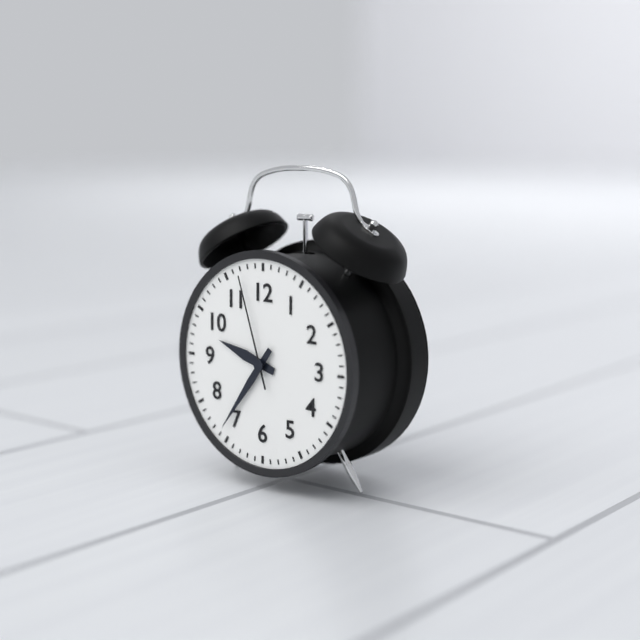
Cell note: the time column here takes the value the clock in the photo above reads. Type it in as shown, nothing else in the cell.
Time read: 9:36:57
